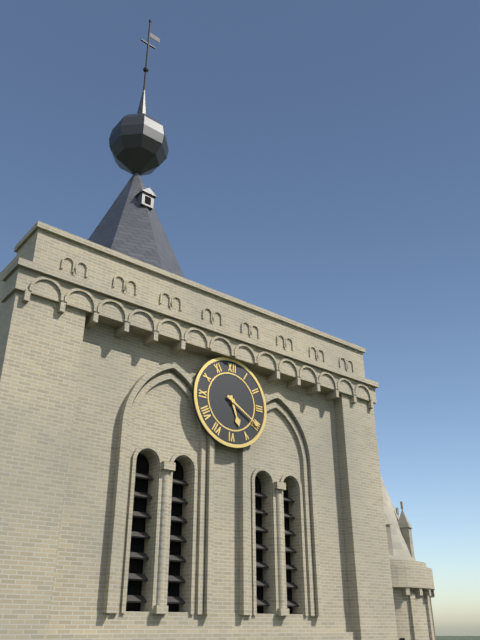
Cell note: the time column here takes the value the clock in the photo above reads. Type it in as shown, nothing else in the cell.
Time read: 5:20
